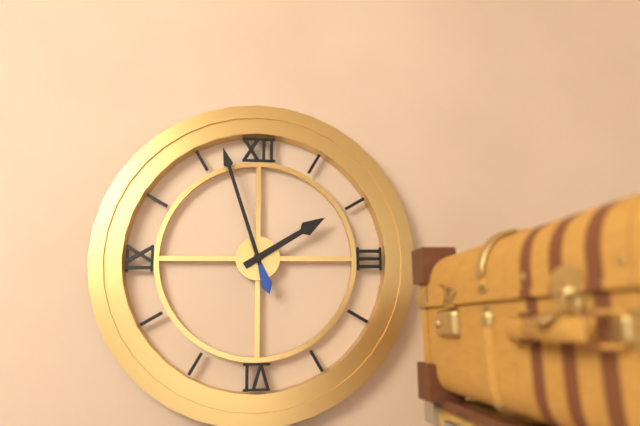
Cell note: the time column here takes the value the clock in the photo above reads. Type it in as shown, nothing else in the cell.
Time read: 1:57
